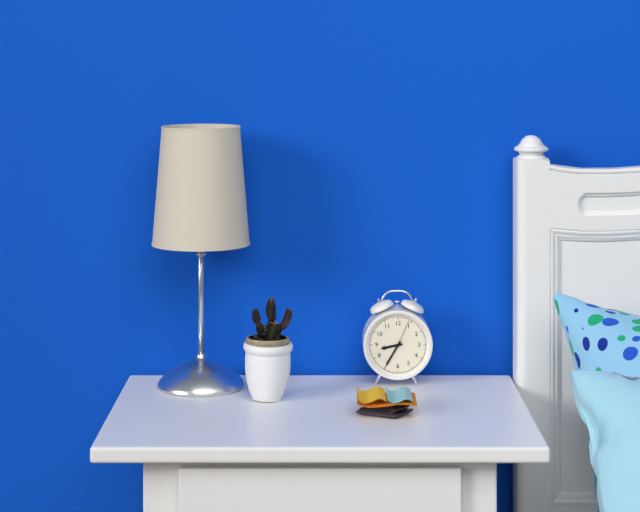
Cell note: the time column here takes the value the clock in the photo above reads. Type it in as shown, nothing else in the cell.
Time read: 8:35
